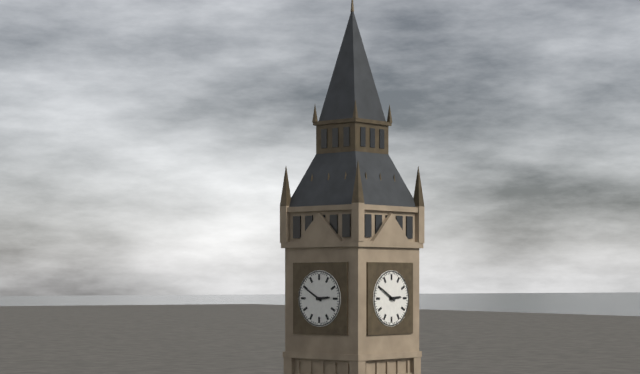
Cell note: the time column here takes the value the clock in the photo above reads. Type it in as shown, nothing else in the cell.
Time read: 2:50
